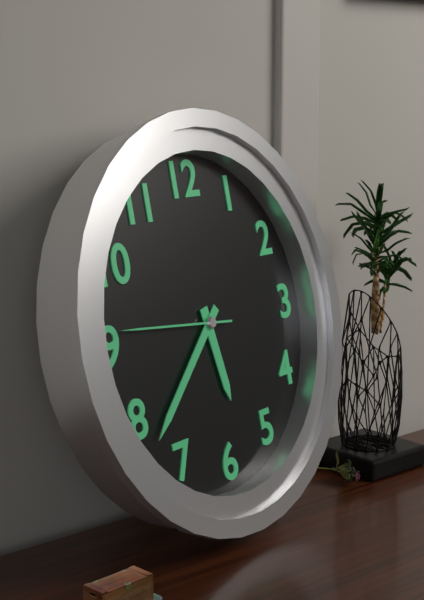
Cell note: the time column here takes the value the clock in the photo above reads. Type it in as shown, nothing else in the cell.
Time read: 5:38:46
